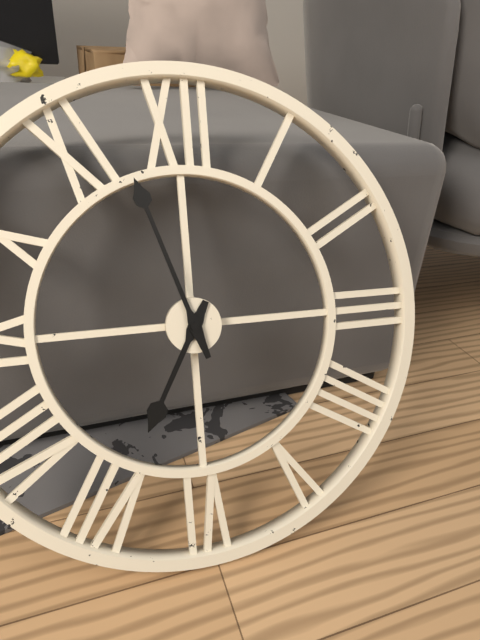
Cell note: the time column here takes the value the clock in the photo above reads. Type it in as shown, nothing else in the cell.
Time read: 6:57
